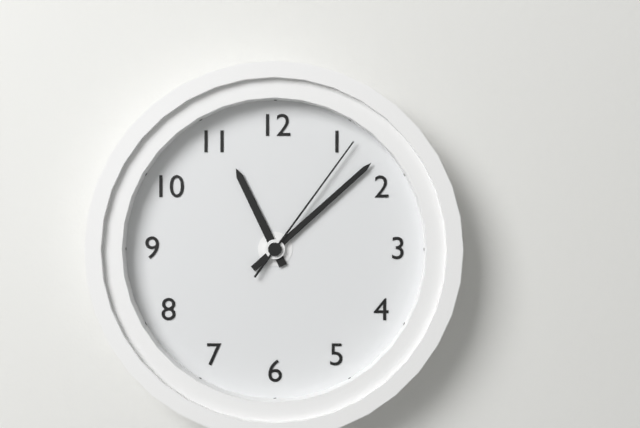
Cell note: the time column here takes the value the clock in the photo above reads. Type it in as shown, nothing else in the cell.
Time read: 11:08:06
